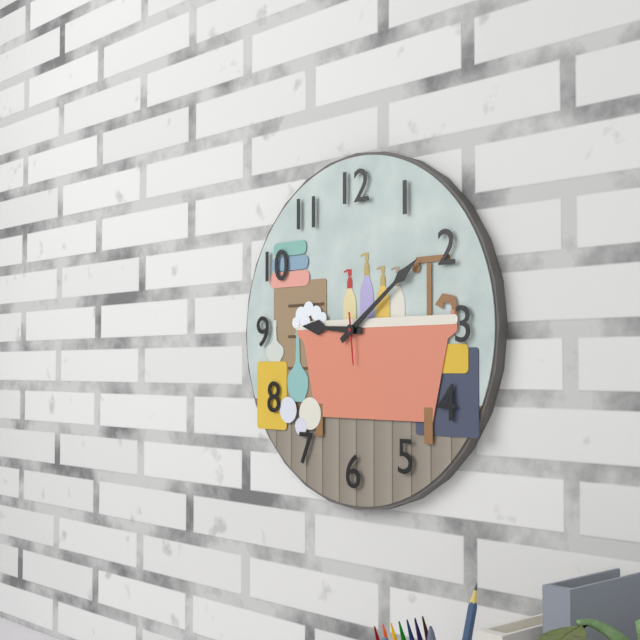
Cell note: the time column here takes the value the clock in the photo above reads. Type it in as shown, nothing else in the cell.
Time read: 9:09
